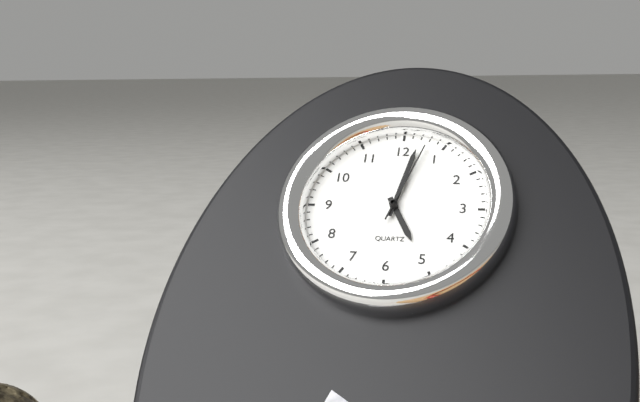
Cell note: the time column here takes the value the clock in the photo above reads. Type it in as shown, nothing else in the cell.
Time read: 5:02:03
